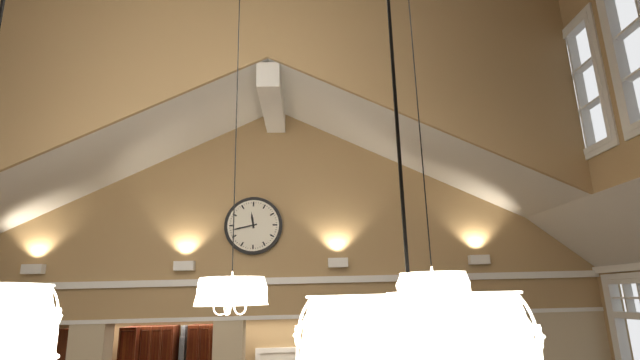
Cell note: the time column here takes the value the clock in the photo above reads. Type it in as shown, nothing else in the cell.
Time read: 11:43
